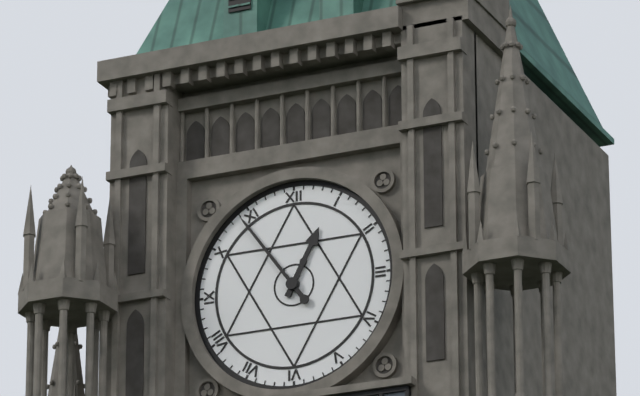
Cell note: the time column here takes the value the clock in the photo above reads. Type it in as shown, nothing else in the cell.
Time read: 12:54
